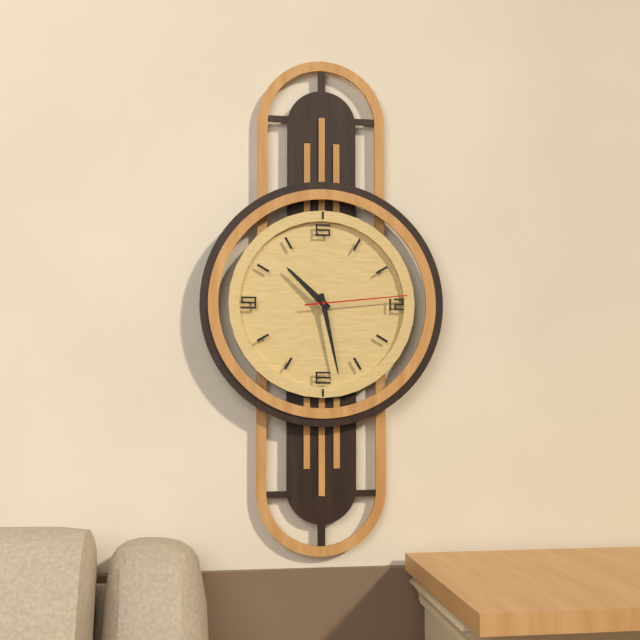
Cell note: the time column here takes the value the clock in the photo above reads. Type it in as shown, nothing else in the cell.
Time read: 10:28:14
